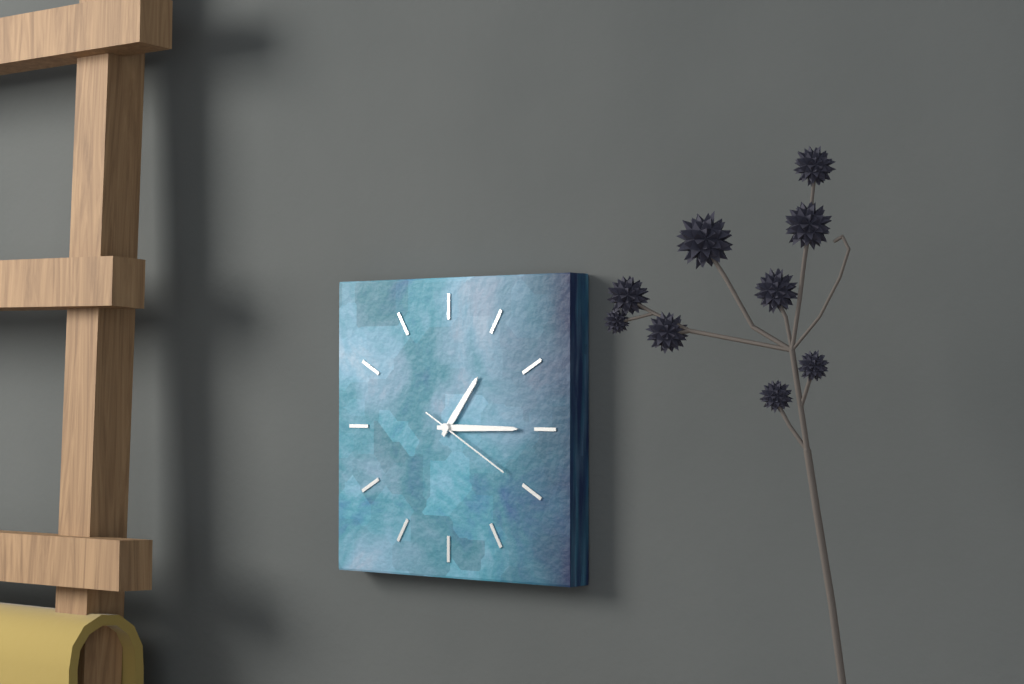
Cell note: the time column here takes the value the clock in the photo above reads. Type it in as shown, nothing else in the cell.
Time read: 1:15:20
